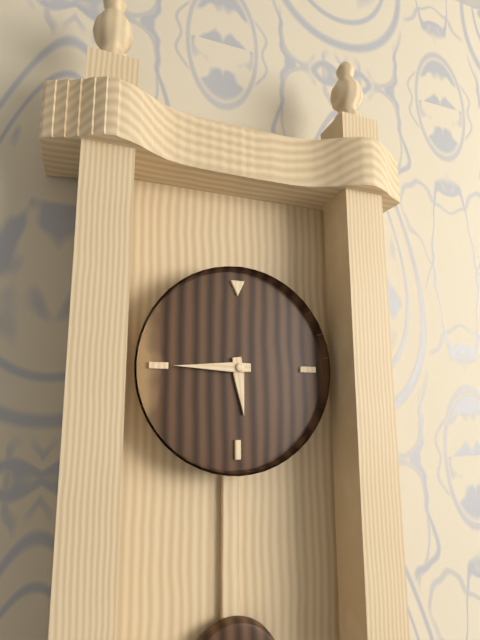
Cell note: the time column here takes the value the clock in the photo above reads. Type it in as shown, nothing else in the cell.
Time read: 5:45
